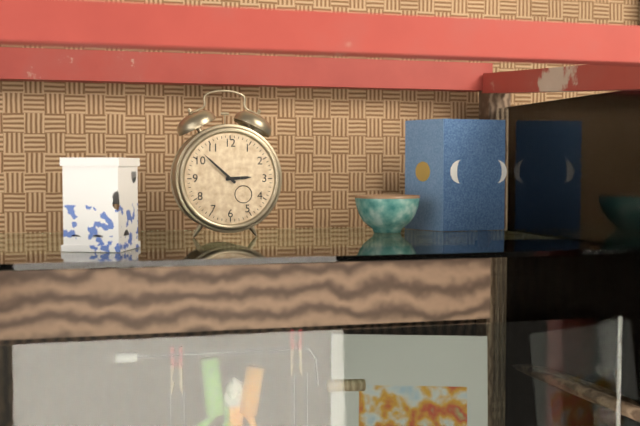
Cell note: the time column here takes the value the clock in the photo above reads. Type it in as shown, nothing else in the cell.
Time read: 2:52
